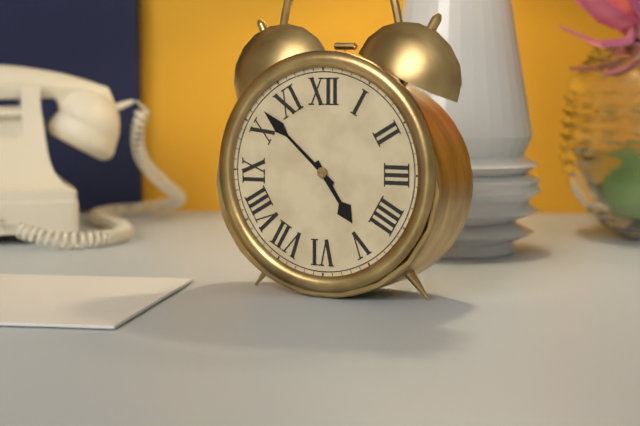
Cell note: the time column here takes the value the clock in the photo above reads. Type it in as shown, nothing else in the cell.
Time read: 4:52
